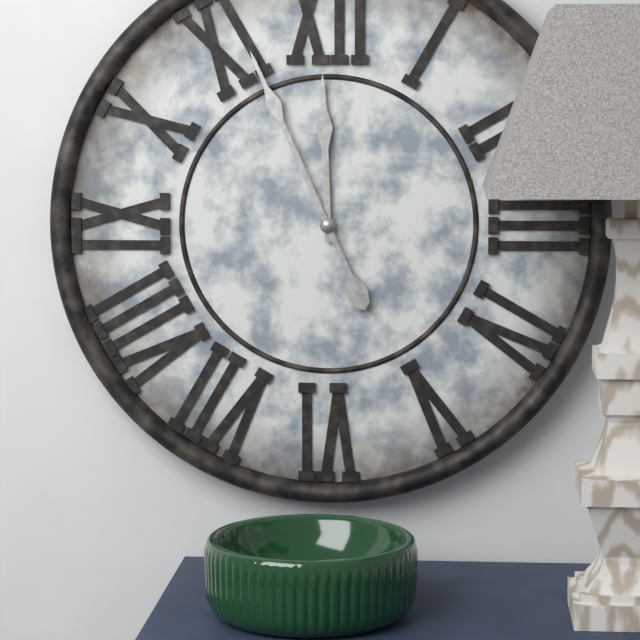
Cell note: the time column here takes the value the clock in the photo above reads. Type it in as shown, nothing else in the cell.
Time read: 11:56
